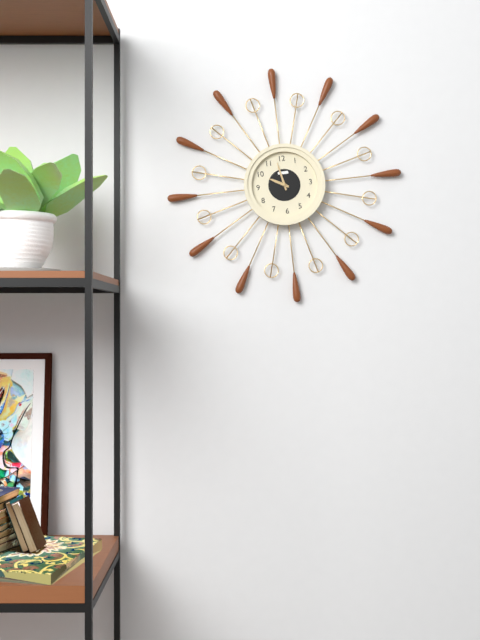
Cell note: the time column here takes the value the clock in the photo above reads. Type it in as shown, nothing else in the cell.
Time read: 9:58
